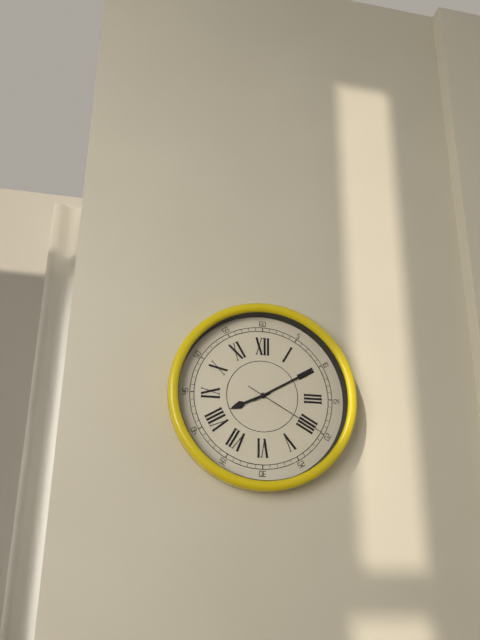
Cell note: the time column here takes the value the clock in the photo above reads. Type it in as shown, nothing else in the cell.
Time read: 8:10:20
